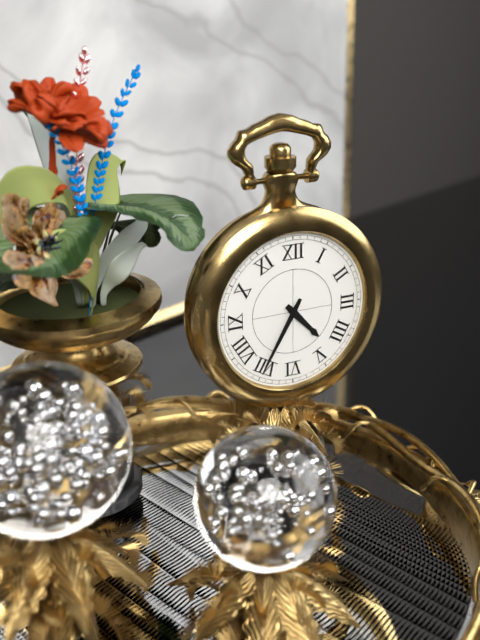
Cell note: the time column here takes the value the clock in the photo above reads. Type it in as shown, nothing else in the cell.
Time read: 4:35
